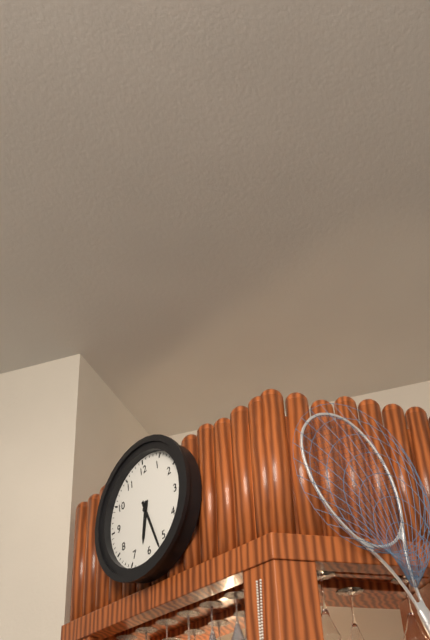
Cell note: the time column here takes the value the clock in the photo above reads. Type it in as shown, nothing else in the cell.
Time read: 6:27
